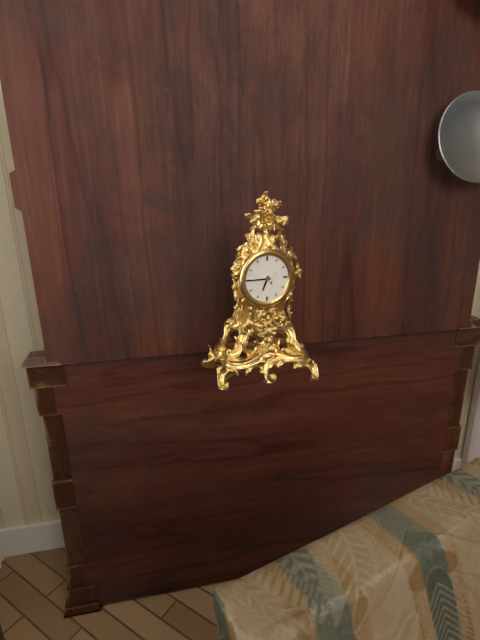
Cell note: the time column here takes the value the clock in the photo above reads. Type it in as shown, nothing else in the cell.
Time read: 6:45
